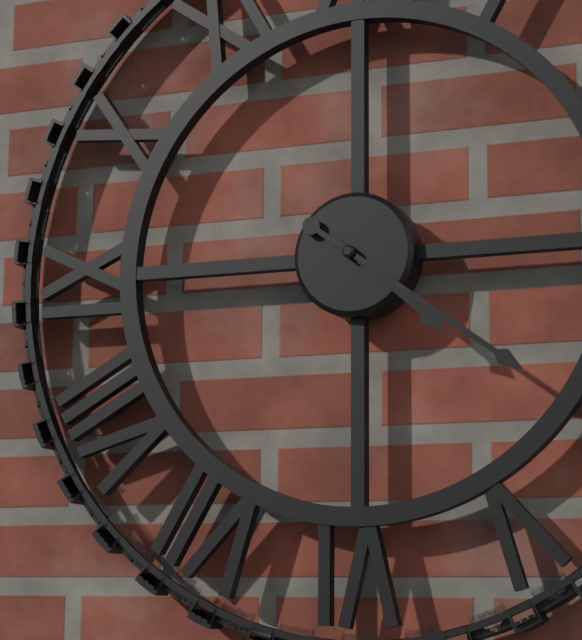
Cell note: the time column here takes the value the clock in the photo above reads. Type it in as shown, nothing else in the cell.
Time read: 4:21
